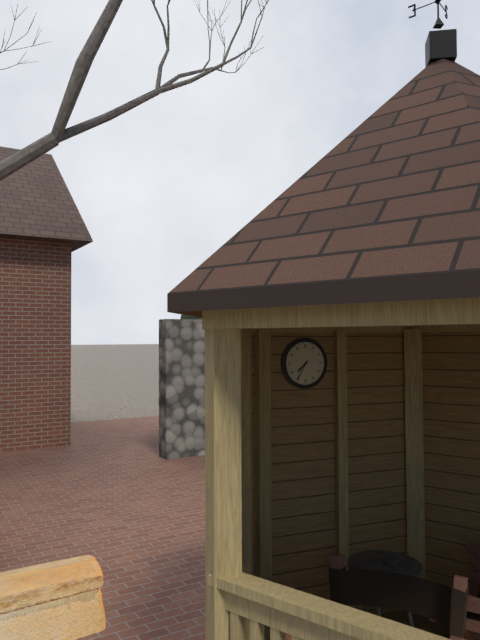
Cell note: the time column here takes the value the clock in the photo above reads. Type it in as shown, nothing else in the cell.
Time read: 7:35
